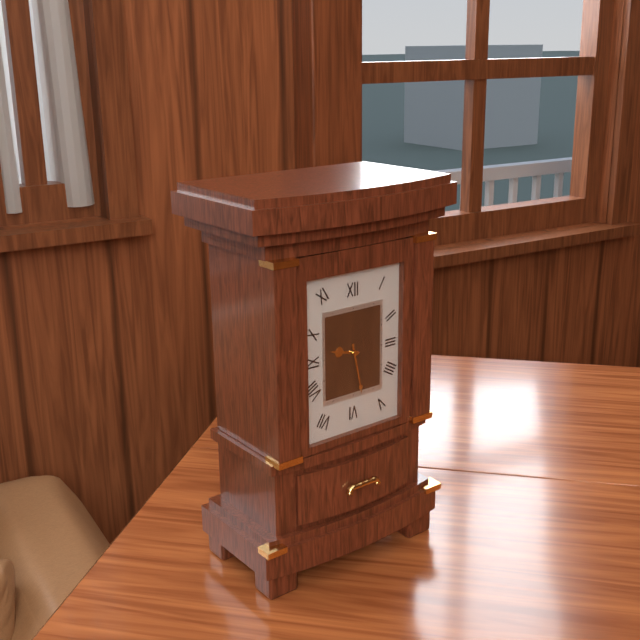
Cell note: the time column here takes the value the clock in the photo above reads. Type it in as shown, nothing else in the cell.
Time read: 9:28
